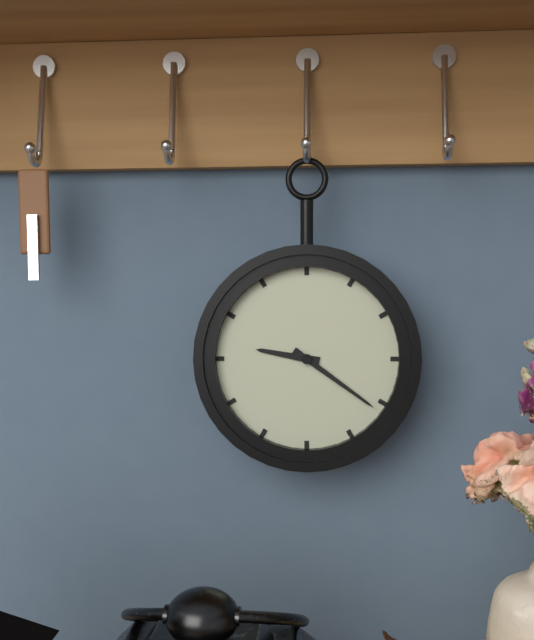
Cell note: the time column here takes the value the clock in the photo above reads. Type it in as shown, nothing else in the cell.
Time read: 9:21
